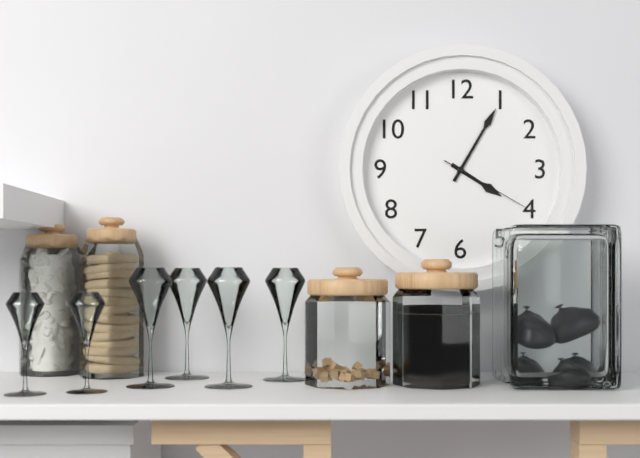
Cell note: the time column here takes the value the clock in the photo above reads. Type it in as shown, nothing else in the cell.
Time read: 4:05:20
